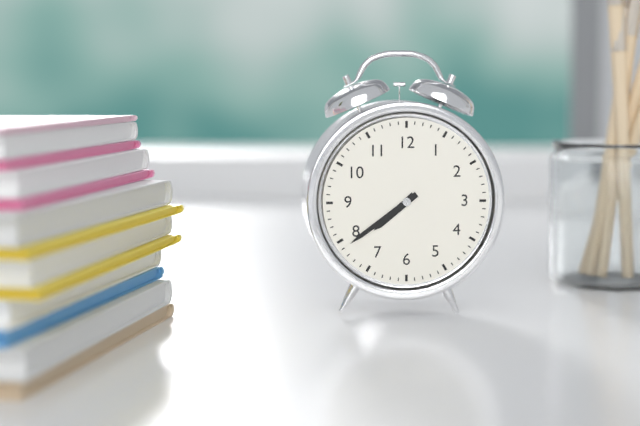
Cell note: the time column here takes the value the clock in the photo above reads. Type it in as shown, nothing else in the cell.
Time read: 7:39
